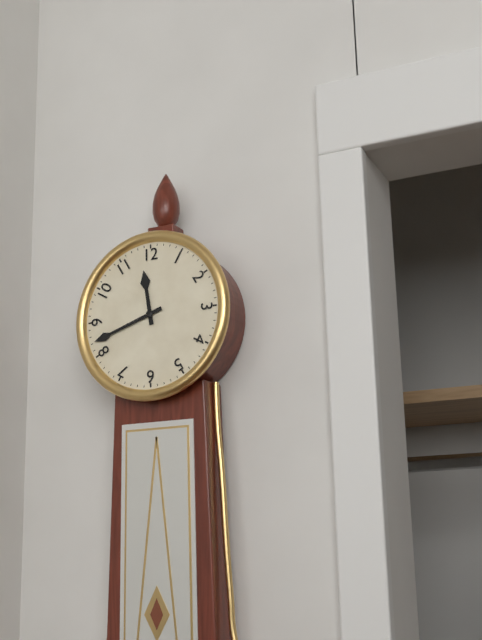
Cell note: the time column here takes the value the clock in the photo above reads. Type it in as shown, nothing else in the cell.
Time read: 11:42
